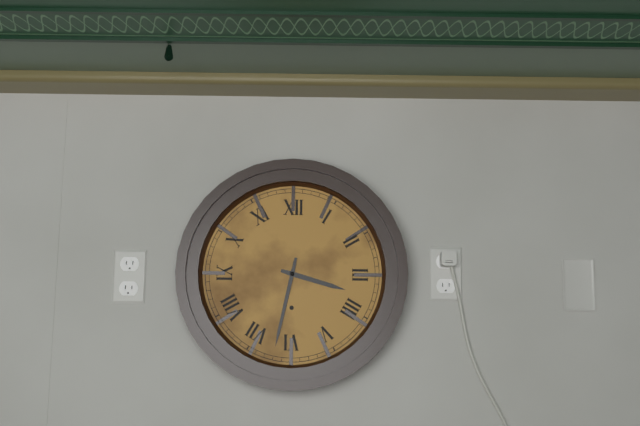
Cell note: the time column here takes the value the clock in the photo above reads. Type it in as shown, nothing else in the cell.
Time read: 3:32
